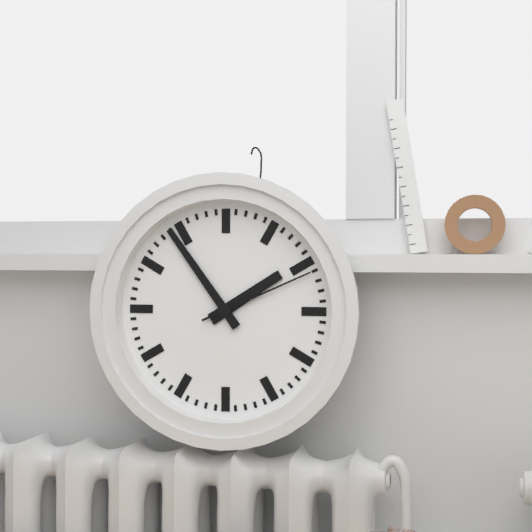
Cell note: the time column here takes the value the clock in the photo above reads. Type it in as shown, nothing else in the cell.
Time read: 1:54:11
